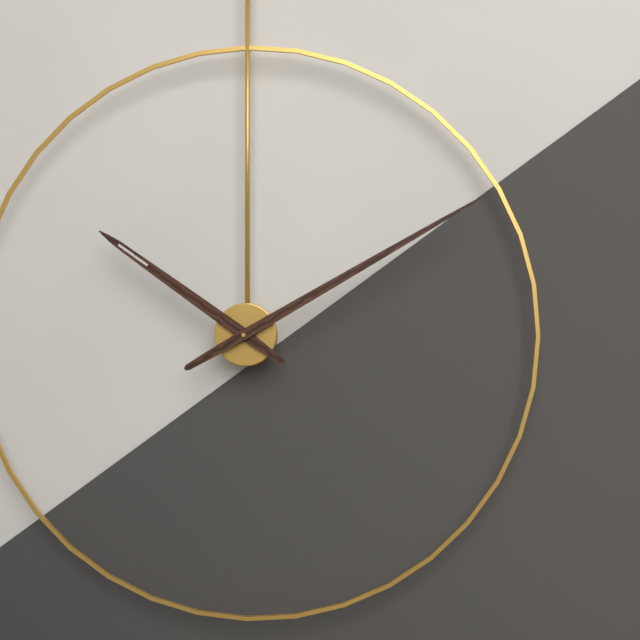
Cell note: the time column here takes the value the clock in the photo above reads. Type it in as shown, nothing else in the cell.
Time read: 10:10
